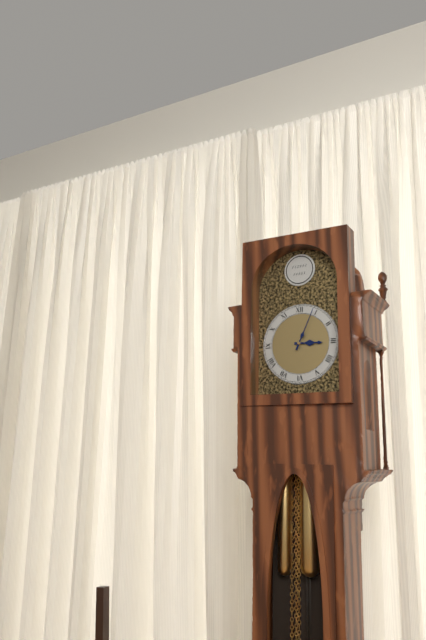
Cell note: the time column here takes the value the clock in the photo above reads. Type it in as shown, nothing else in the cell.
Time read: 3:04
